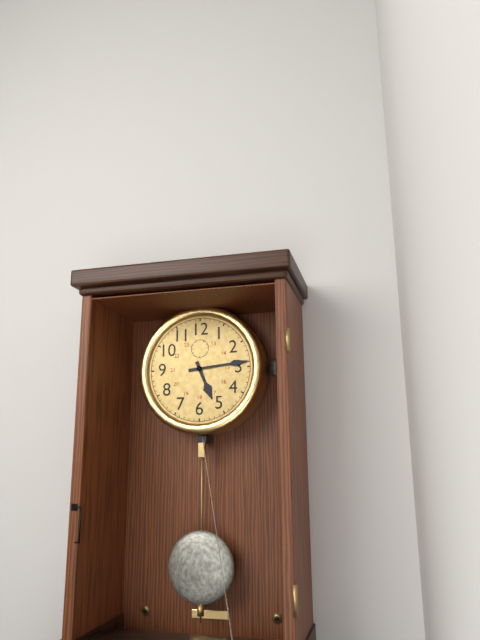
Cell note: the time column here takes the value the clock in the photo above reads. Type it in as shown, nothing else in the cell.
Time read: 5:14
